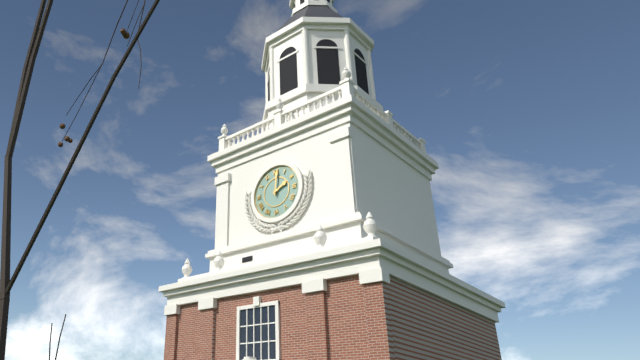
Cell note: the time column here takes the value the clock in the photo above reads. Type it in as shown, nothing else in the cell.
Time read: 2:01
